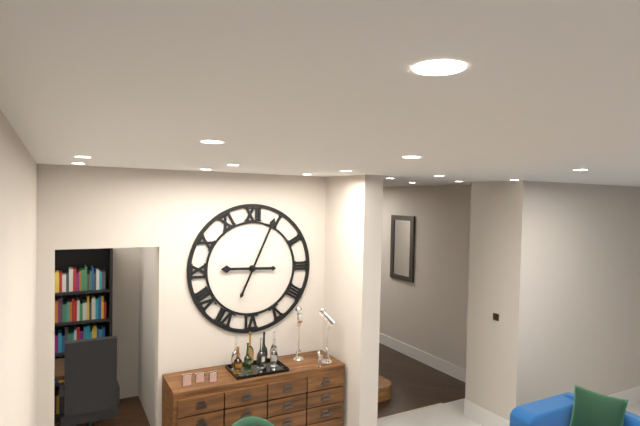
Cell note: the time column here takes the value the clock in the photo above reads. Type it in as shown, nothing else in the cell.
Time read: 9:04
